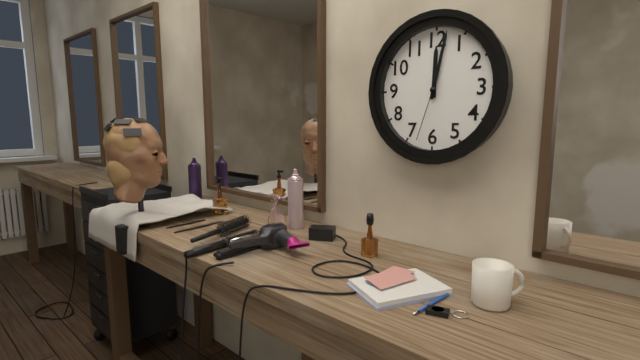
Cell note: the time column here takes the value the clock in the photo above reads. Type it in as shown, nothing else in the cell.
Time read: 12:02:33
